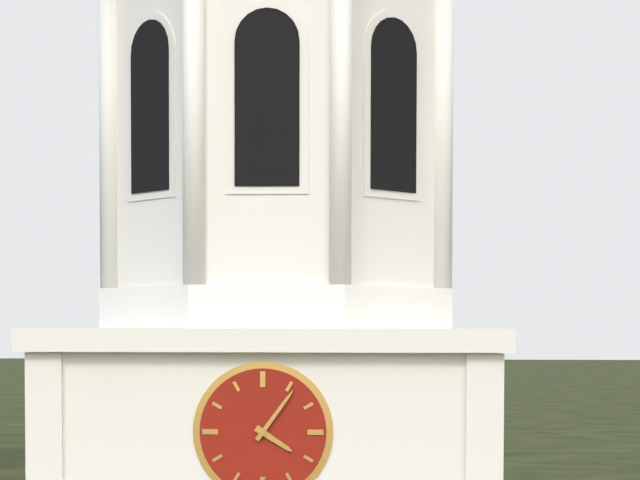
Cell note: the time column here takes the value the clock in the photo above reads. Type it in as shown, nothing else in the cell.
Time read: 4:06
